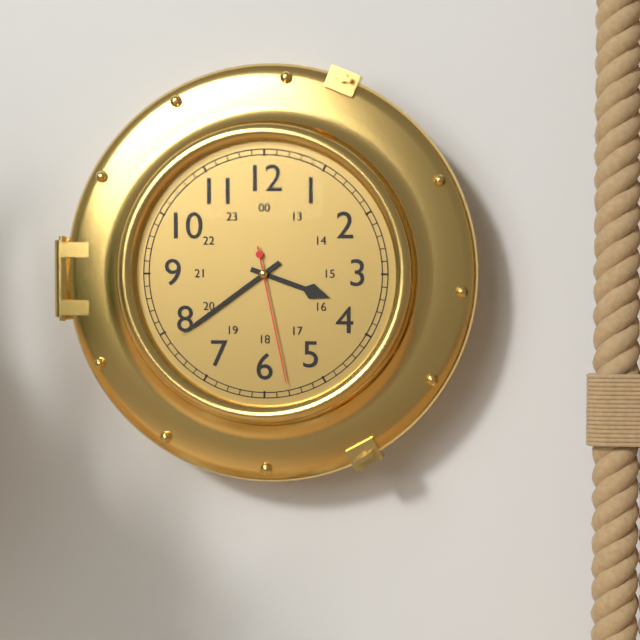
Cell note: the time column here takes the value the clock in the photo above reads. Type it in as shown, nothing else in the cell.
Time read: 3:39:28
